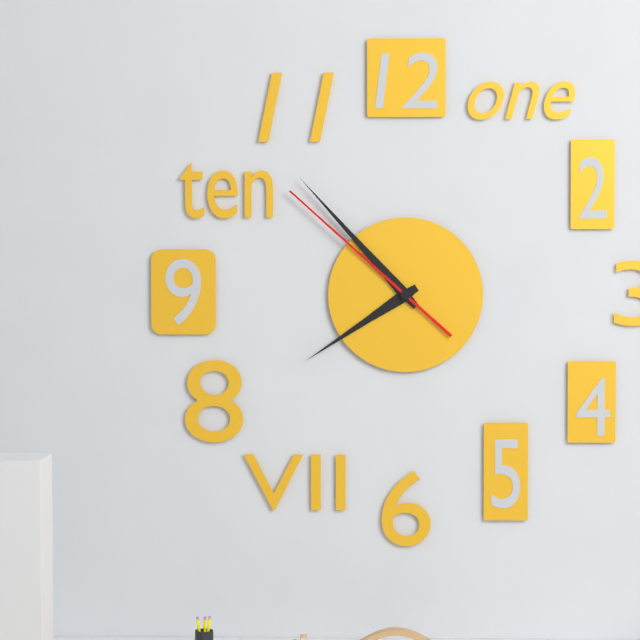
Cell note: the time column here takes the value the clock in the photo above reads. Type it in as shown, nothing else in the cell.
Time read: 7:53:52
